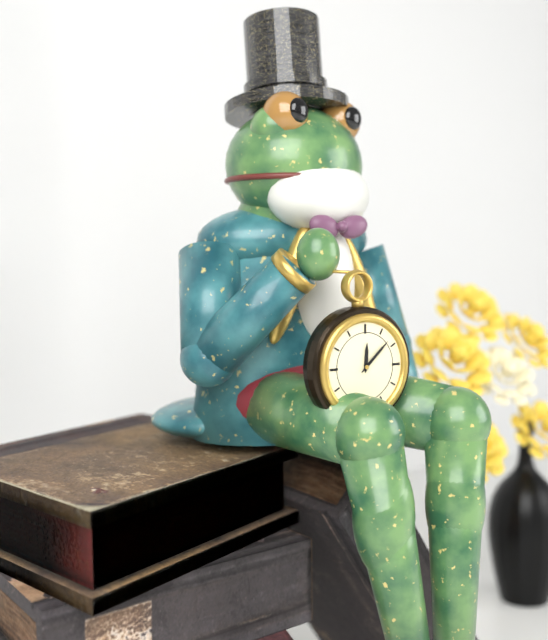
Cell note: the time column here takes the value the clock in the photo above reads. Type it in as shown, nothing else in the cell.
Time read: 12:08
